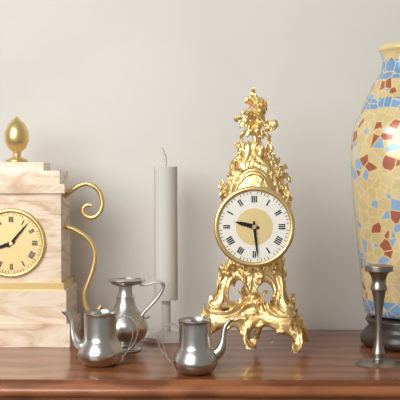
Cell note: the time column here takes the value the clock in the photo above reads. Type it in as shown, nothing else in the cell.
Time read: 9:29
